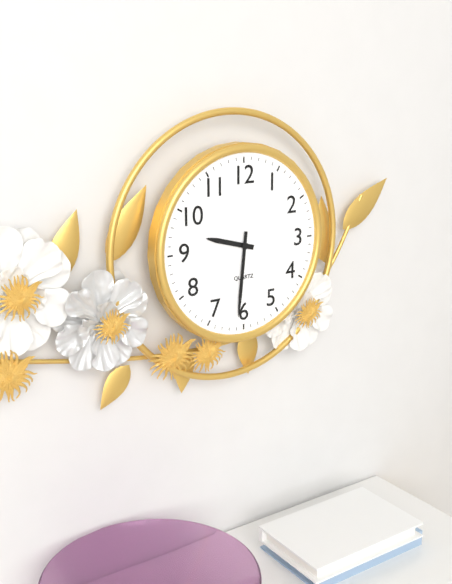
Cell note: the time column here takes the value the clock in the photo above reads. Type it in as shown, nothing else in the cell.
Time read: 9:31
